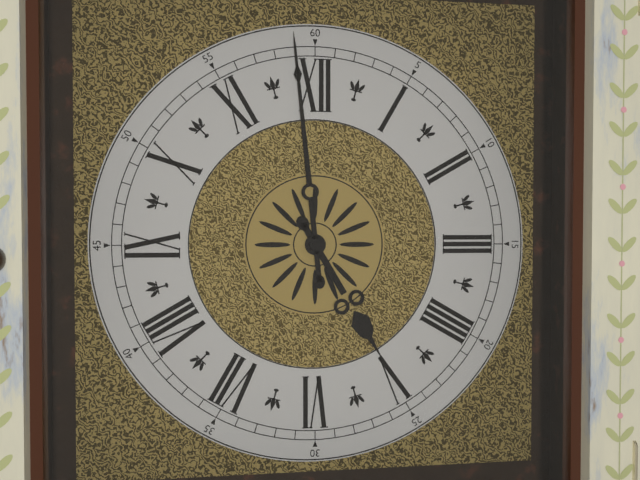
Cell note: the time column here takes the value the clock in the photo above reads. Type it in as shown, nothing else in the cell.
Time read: 4:59
